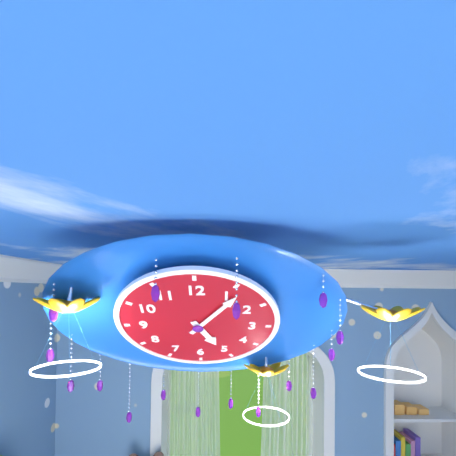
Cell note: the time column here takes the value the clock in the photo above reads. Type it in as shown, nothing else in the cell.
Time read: 5:06
